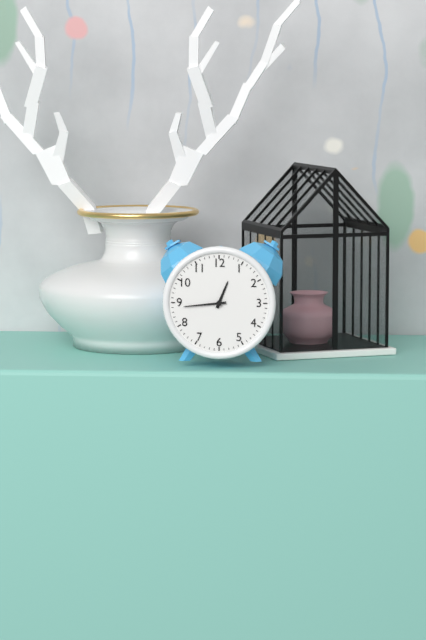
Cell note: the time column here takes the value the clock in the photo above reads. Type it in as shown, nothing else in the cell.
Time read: 12:44
